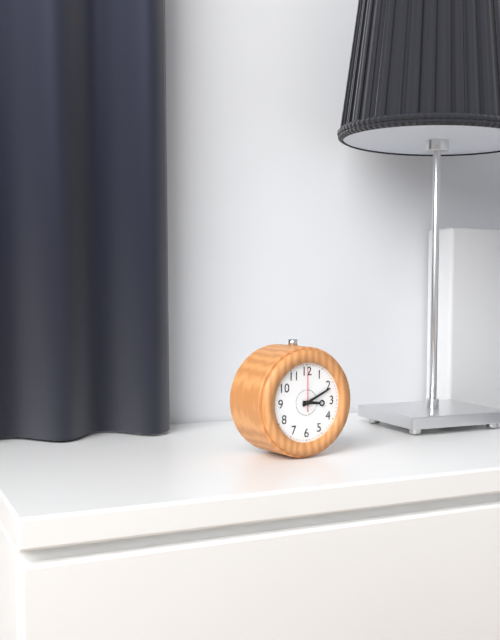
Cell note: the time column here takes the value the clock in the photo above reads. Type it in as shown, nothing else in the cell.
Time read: 3:11
